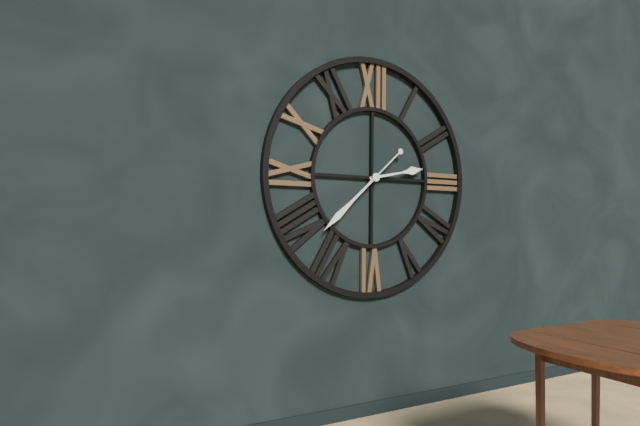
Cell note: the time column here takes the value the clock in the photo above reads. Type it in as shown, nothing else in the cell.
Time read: 2:38
